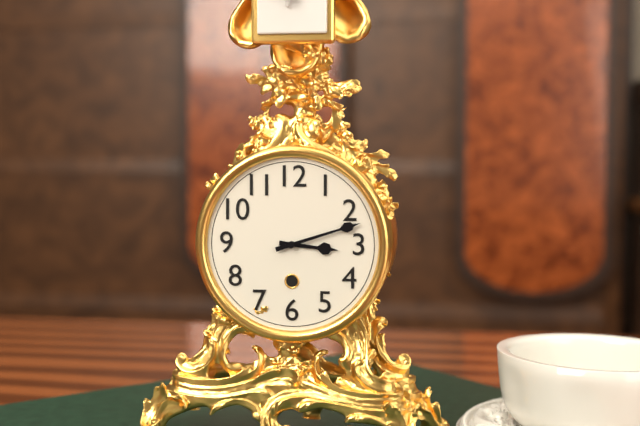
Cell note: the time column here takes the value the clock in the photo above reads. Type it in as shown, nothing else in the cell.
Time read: 3:12
